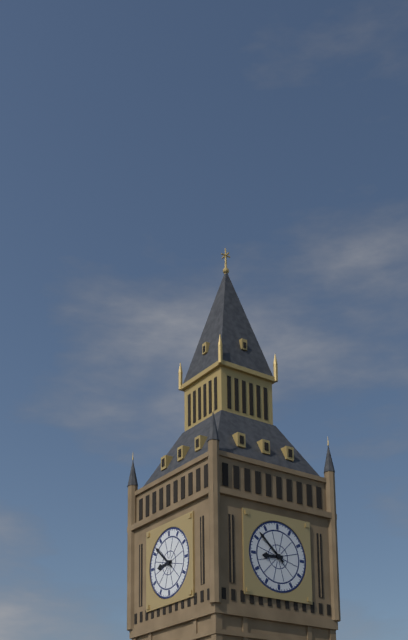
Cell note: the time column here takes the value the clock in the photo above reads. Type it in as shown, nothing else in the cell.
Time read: 8:52
